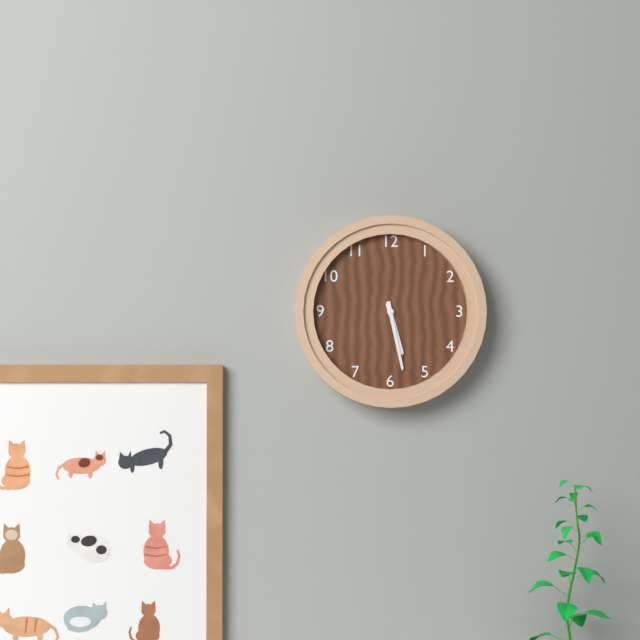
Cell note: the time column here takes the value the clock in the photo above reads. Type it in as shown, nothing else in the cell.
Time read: 5:28
